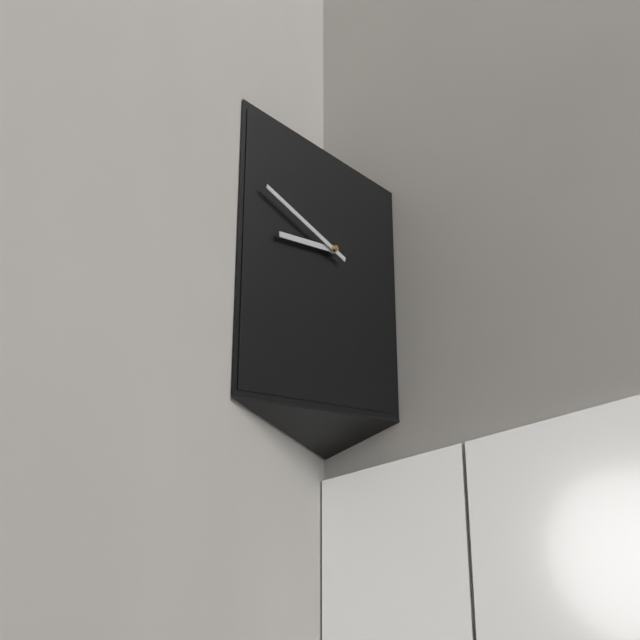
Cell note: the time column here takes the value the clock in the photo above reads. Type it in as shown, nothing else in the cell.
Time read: 8:48
